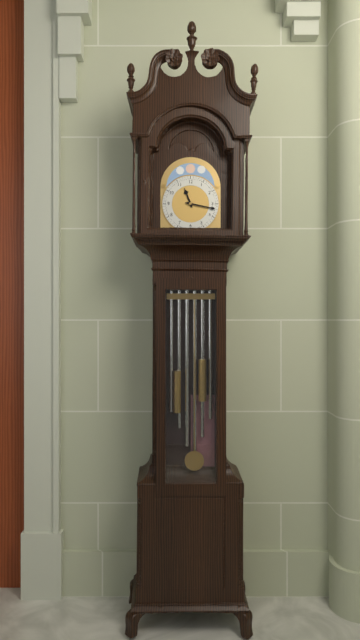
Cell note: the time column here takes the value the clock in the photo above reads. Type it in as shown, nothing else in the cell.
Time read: 11:17
